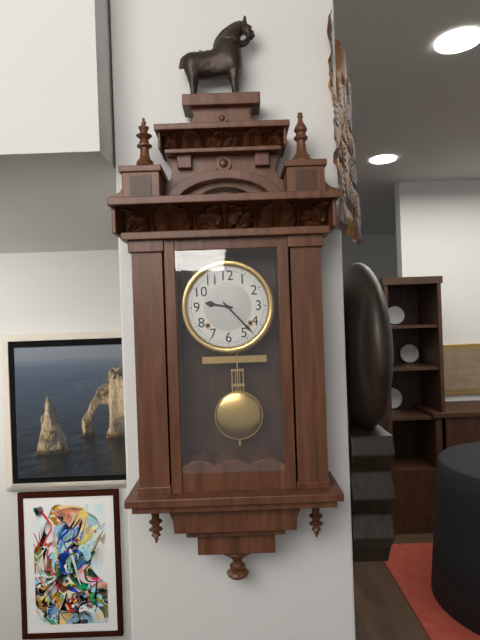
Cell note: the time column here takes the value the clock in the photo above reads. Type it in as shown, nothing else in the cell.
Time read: 9:23
